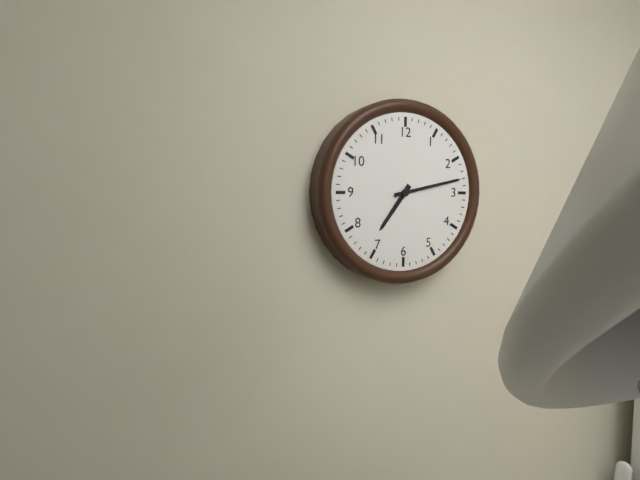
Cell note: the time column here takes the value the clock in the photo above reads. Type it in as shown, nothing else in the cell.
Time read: 7:13
